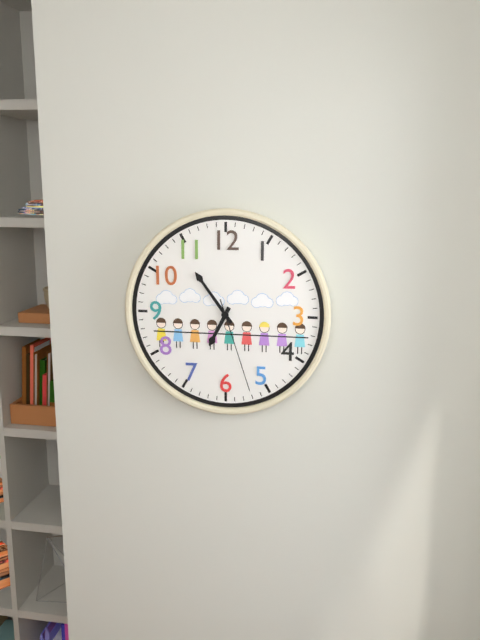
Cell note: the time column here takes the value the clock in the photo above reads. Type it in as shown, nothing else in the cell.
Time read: 6:54:27
